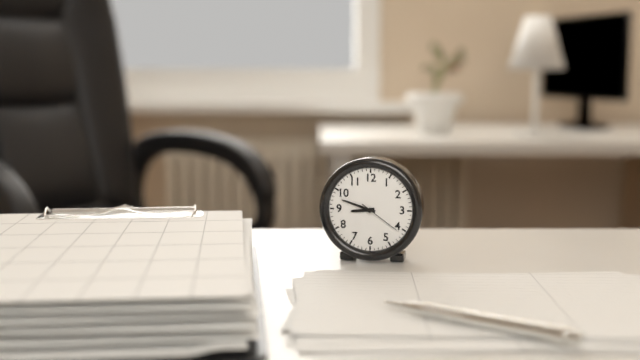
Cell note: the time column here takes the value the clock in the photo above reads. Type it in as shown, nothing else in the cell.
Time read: 8:48
